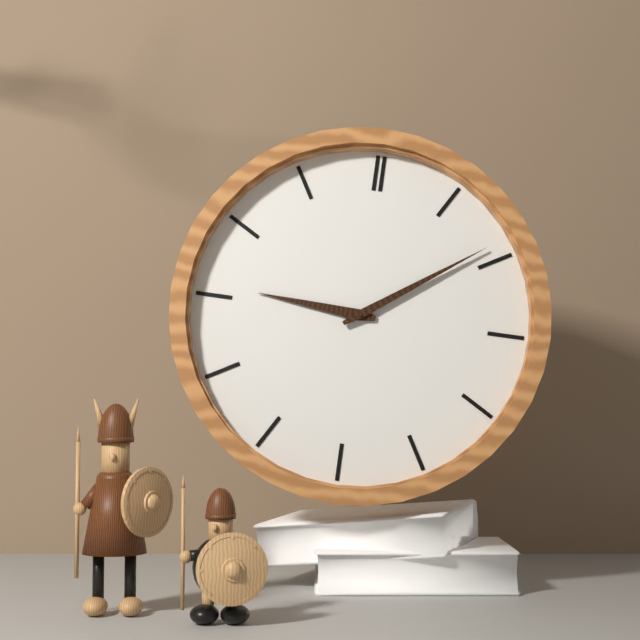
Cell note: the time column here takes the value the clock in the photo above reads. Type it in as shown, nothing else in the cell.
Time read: 9:09
